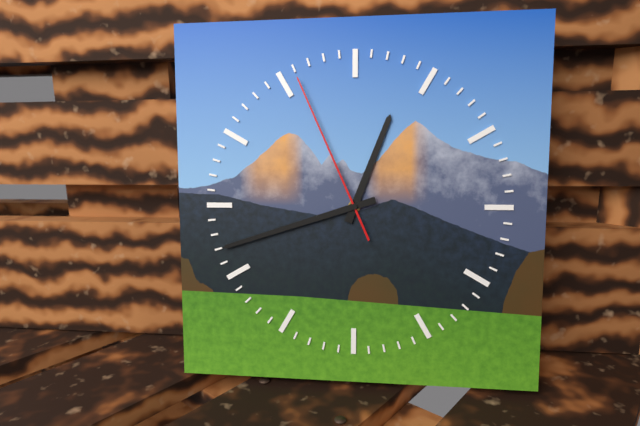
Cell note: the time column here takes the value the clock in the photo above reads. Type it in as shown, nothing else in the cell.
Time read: 12:42:56
